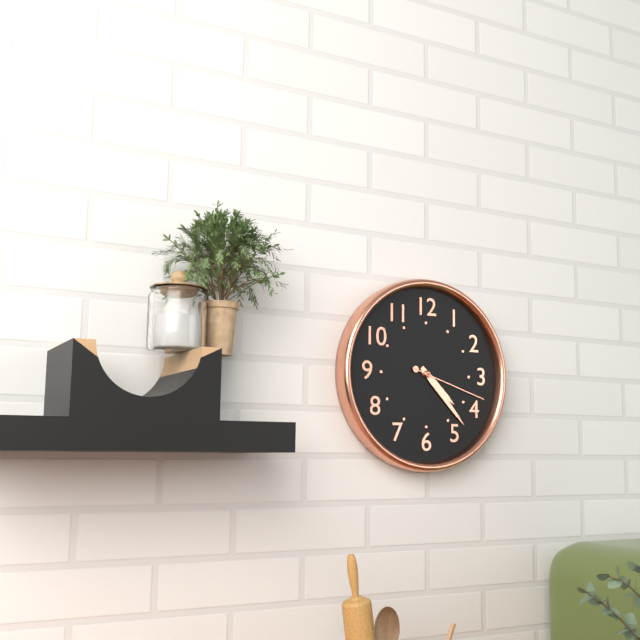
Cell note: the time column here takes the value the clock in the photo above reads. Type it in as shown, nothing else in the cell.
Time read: 4:23:18
